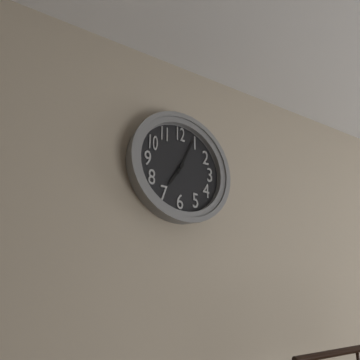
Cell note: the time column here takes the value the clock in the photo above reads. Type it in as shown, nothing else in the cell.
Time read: 7:04
